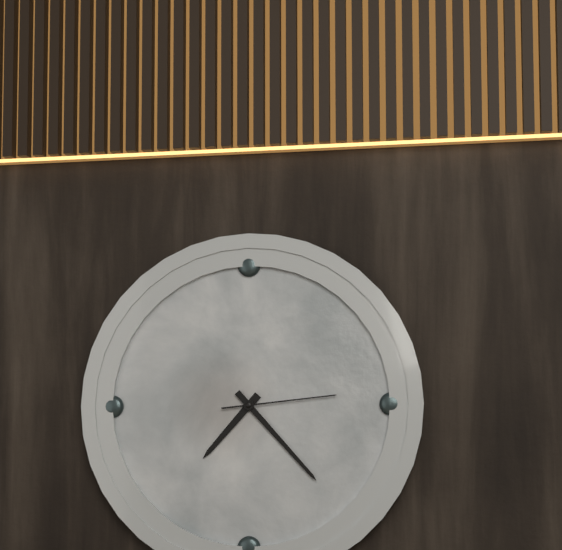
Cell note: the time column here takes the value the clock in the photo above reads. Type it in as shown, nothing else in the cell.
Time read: 7:23:14
